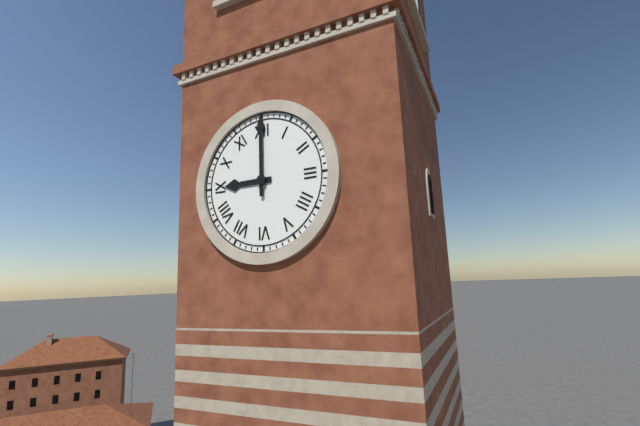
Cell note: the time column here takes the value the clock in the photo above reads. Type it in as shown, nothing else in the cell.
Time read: 9:00
